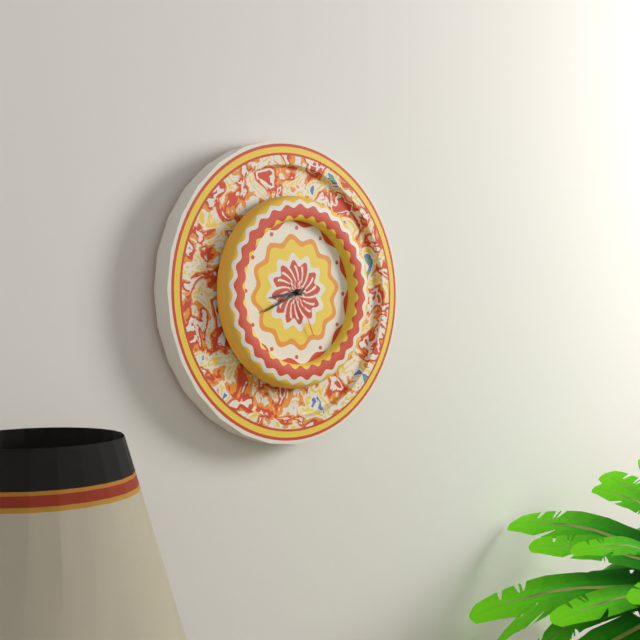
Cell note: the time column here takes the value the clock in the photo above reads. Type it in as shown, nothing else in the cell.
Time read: 8:41:26
